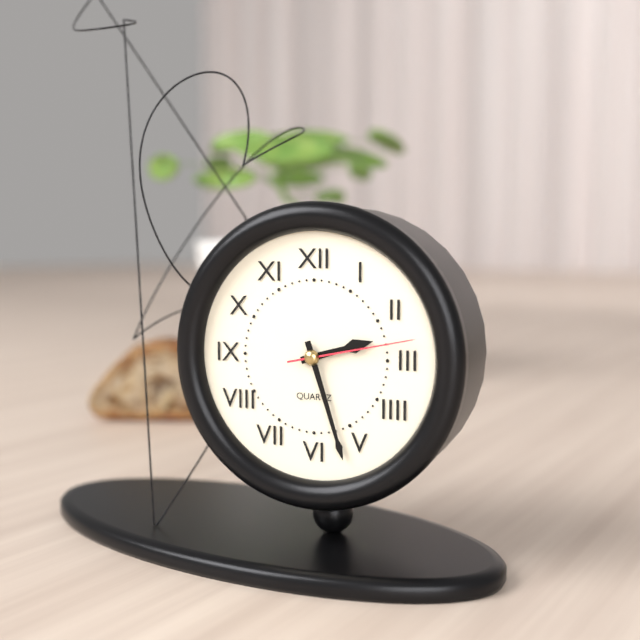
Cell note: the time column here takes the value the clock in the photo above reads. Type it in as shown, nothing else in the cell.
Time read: 2:27:13
